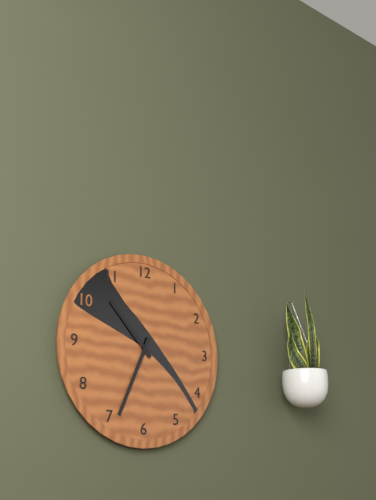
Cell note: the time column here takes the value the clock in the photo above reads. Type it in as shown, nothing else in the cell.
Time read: 10:34
